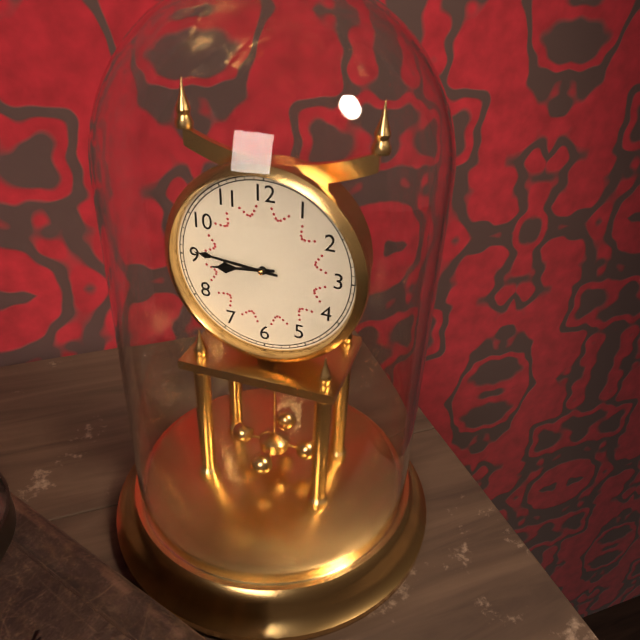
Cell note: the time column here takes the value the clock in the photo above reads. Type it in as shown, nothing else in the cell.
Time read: 8:46
